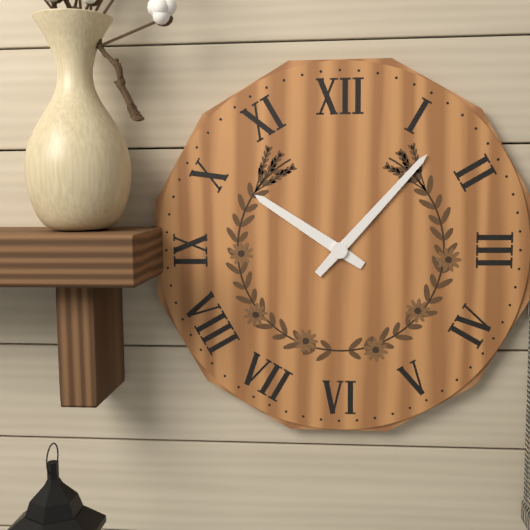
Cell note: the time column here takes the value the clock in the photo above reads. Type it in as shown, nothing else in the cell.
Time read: 10:07
